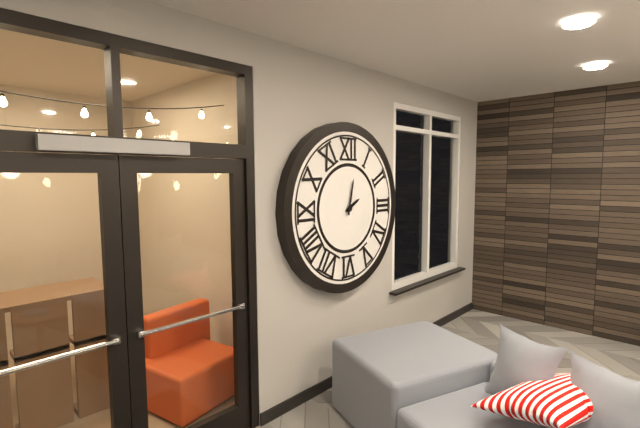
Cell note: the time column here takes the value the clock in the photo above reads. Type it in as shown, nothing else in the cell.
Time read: 2:02
